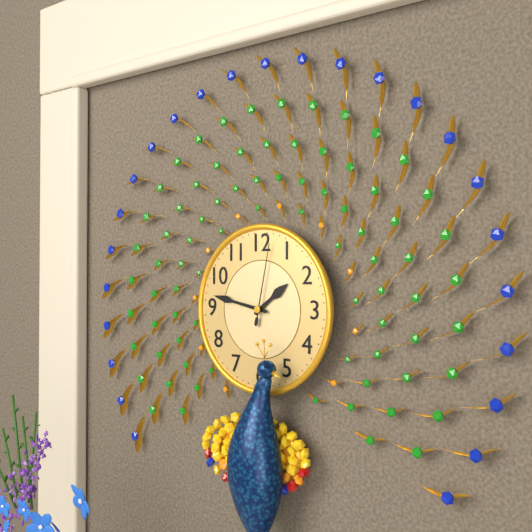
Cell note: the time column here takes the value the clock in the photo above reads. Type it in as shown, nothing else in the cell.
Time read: 1:47:02
